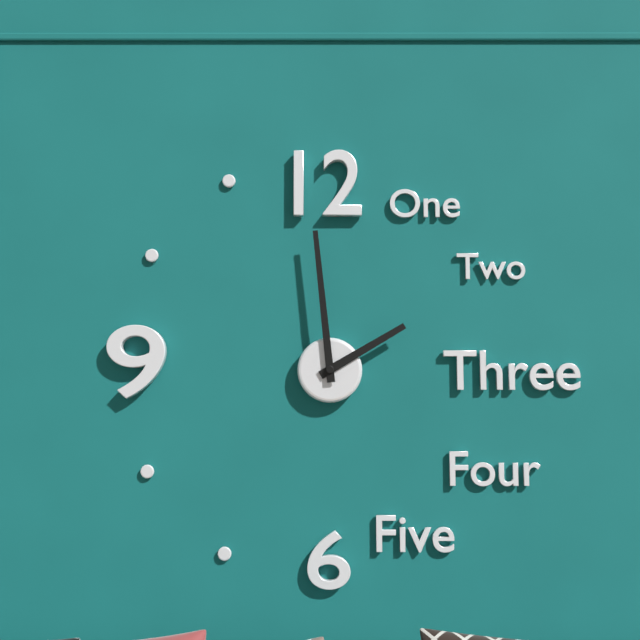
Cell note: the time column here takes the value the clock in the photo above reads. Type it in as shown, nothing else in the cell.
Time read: 1:59
